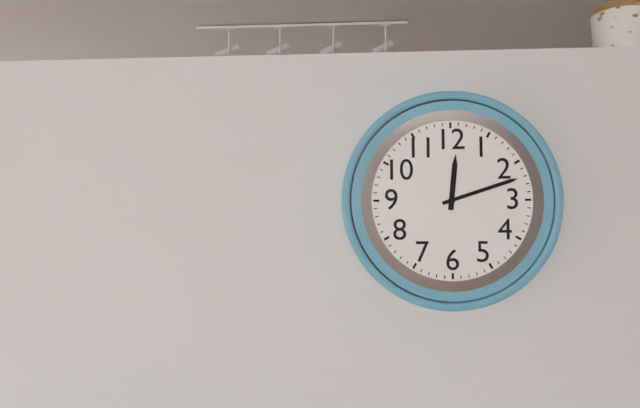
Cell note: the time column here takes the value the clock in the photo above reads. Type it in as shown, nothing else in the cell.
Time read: 12:12
